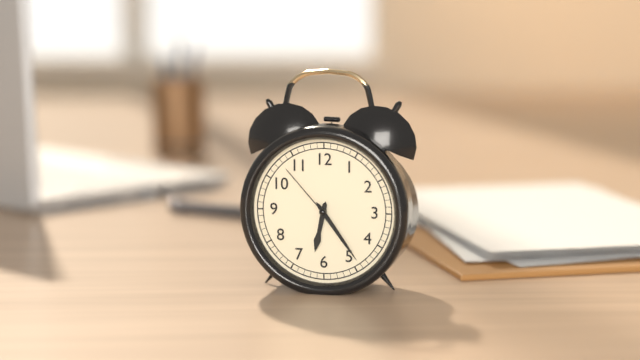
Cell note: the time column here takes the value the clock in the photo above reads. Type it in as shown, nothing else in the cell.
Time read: 6:24:53
